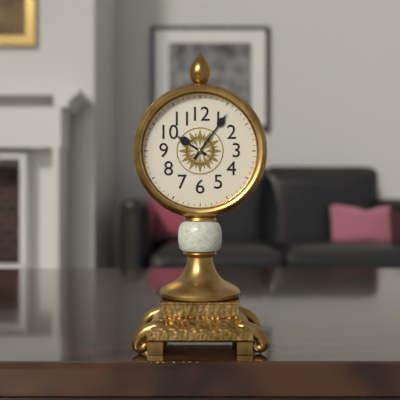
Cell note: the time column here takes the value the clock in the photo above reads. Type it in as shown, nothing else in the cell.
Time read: 10:06
